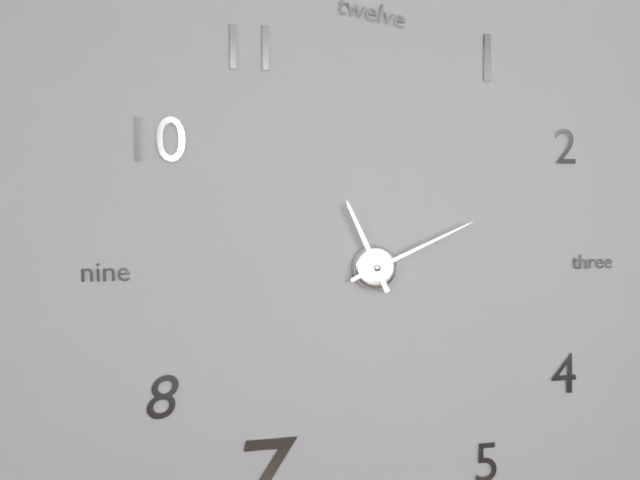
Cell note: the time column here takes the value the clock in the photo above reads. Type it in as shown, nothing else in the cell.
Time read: 11:11
